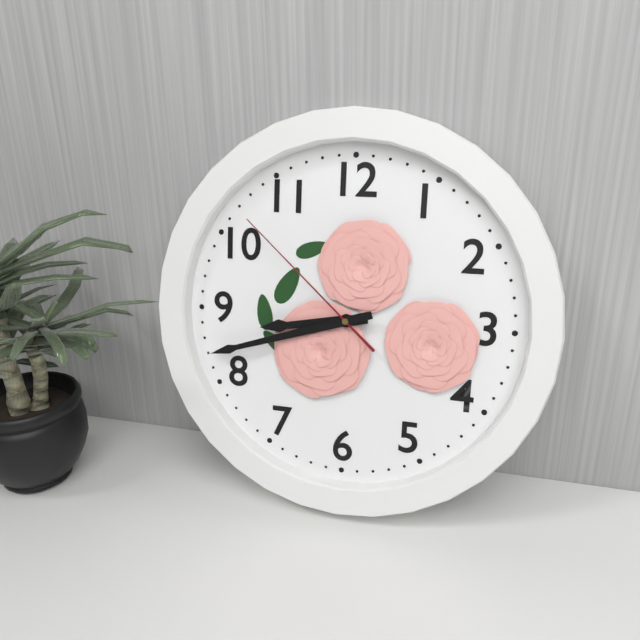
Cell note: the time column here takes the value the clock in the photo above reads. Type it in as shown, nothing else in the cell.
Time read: 8:42:52
